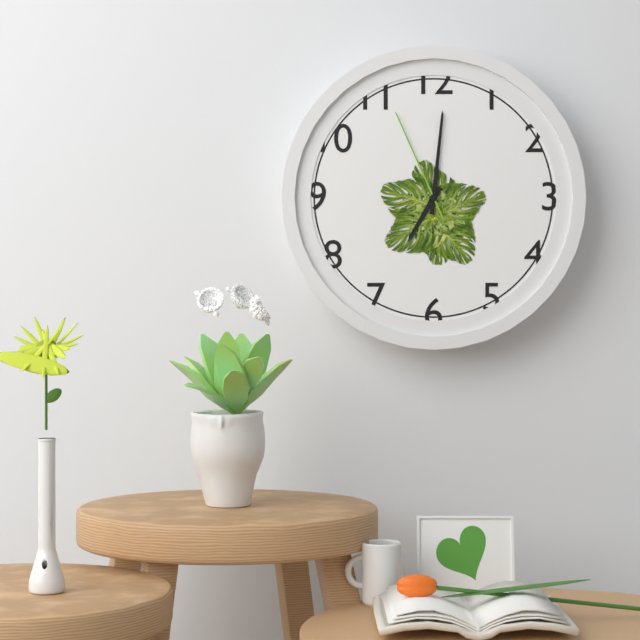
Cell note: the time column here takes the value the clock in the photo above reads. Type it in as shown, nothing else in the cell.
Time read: 7:01:56
